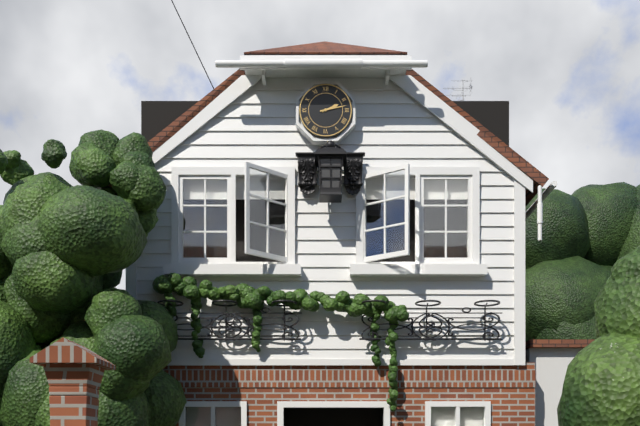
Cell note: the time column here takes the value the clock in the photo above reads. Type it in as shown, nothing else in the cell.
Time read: 2:13
